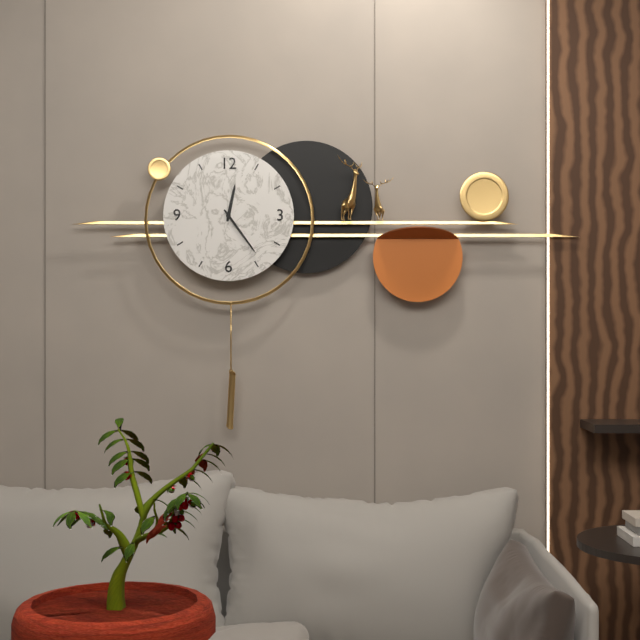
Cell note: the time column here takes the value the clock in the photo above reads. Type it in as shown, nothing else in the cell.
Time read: 12:24
